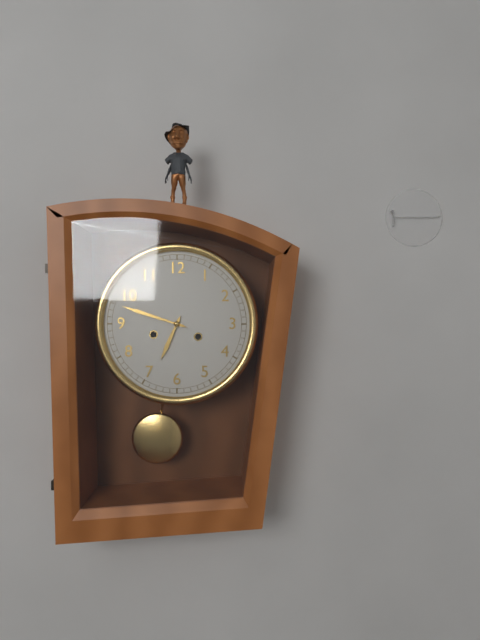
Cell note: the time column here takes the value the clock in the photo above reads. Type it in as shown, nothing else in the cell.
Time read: 6:48
